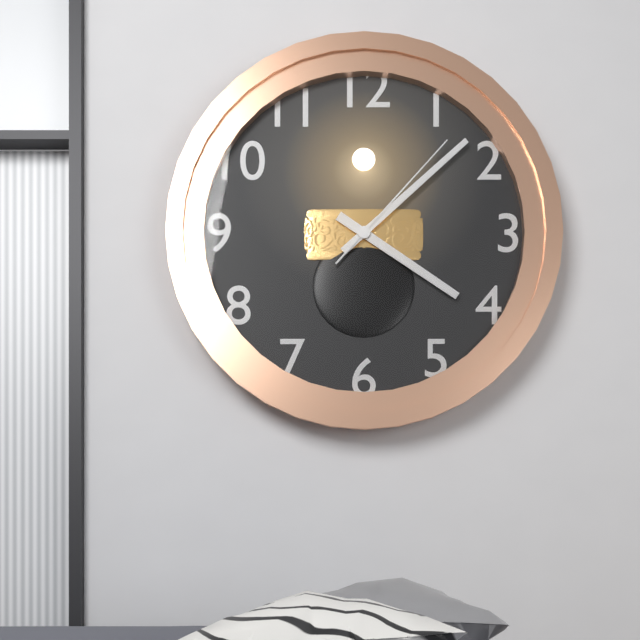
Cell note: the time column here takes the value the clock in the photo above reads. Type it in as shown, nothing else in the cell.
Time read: 4:08:07
